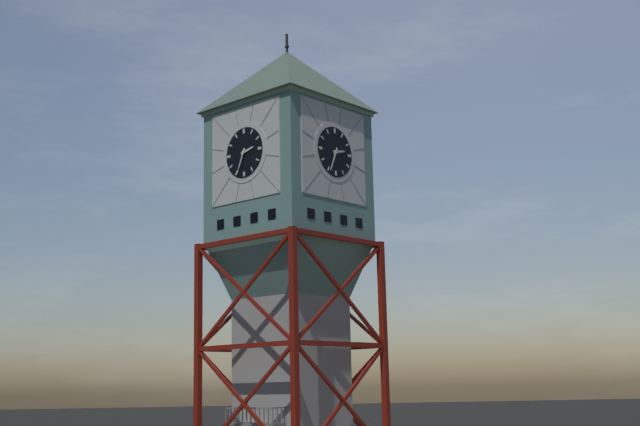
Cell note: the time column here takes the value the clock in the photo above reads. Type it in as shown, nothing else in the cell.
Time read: 2:34
